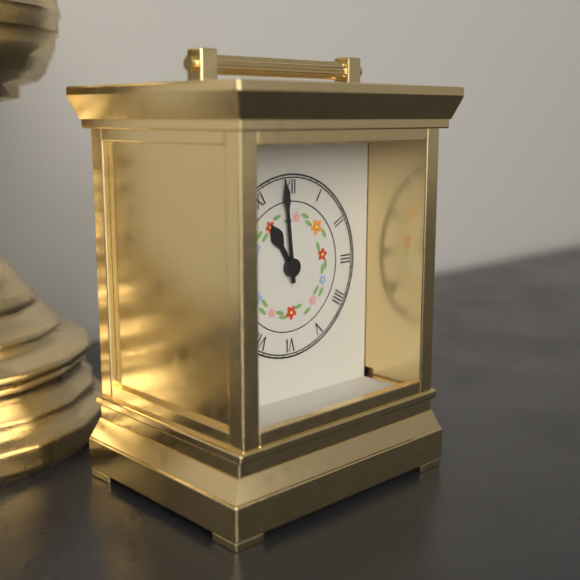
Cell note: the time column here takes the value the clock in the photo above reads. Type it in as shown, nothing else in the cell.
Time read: 10:59
